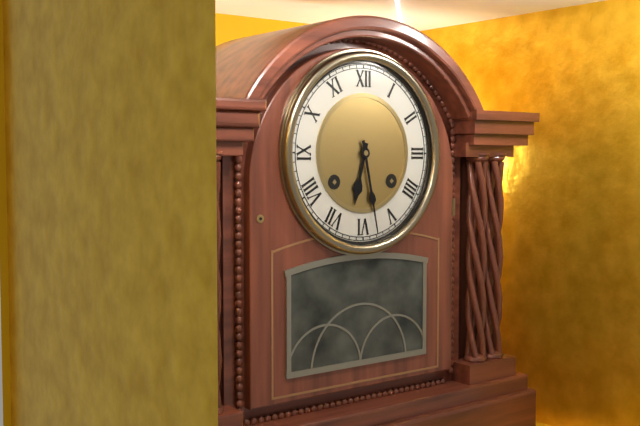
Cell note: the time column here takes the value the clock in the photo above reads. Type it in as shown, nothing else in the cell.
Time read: 6:28
